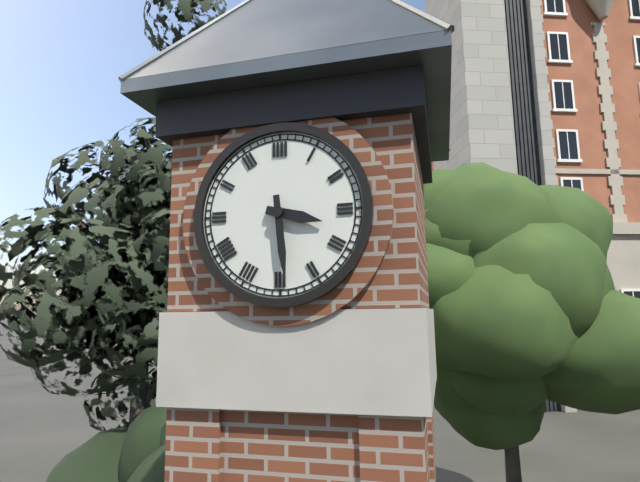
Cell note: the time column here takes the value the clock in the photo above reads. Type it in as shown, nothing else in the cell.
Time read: 3:29
